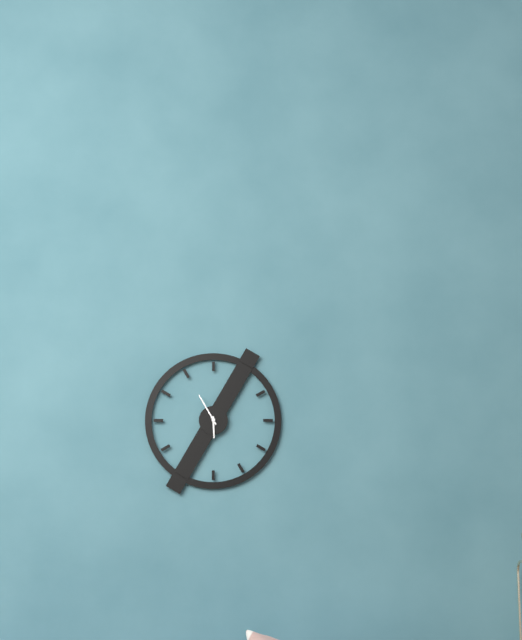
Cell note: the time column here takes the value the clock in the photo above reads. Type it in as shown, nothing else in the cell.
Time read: 5:55
